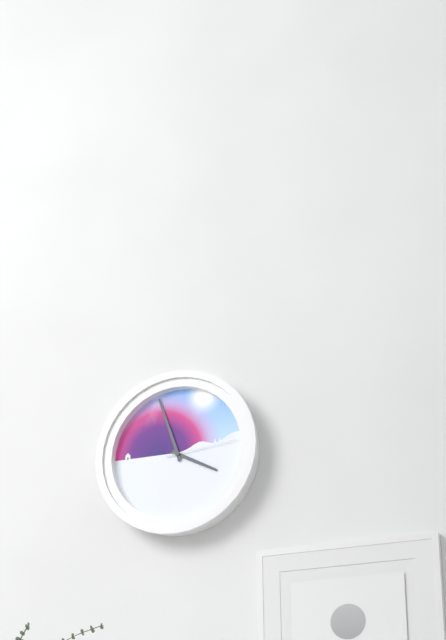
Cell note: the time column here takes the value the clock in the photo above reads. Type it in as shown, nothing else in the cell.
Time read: 3:57:14
